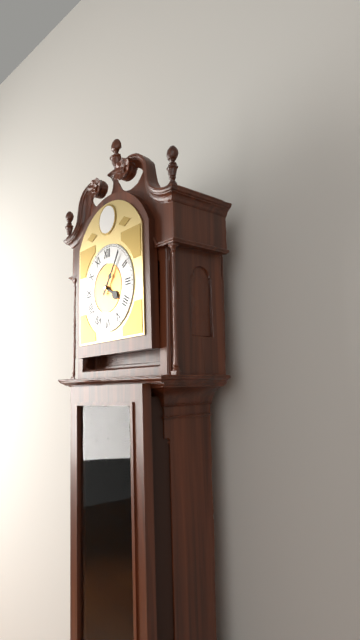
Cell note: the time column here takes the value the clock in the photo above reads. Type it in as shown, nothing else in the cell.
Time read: 4:06
